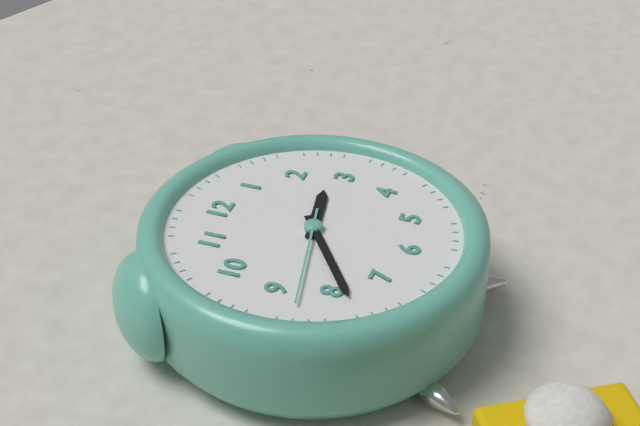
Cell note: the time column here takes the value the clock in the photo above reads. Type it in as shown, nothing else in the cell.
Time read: 2:39:43
